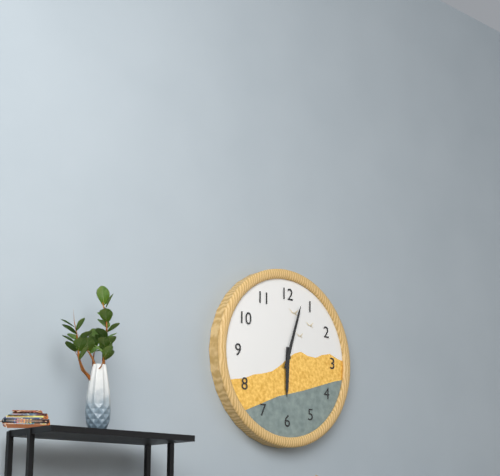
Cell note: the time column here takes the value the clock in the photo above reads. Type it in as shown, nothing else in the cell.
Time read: 6:03
